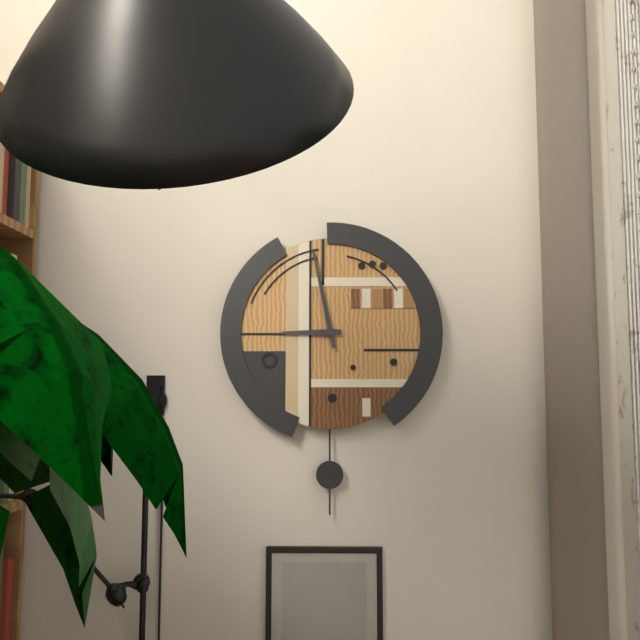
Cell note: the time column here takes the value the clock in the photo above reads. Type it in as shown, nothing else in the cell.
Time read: 8:58
